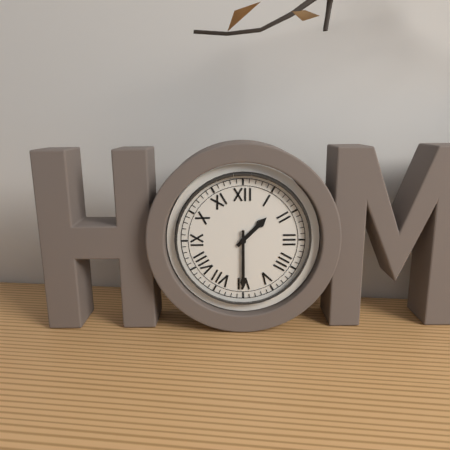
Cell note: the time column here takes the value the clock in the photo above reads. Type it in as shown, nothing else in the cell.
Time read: 1:30
